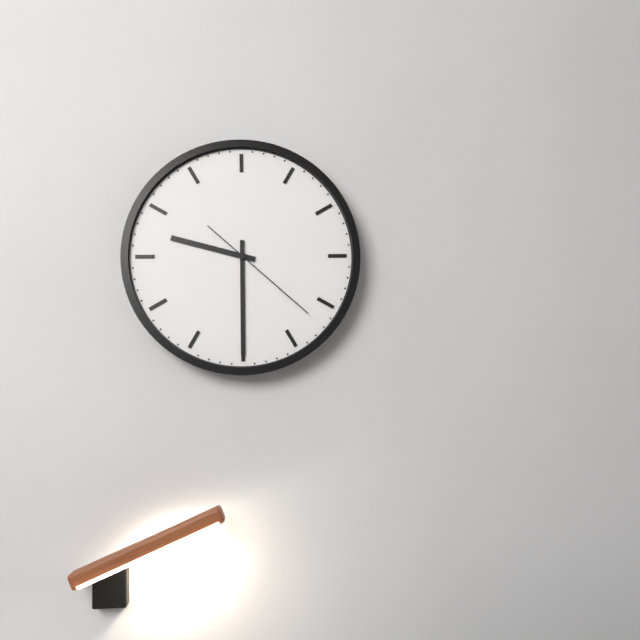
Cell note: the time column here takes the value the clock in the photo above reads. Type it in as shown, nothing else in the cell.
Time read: 9:30:22
